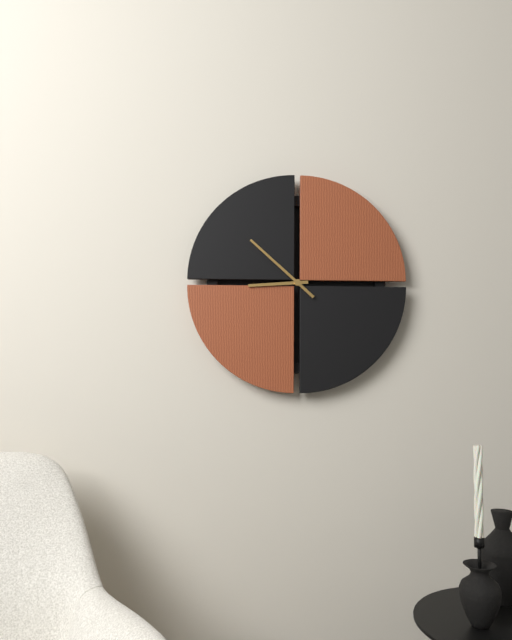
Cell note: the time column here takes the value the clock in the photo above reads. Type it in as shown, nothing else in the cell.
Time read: 8:52
